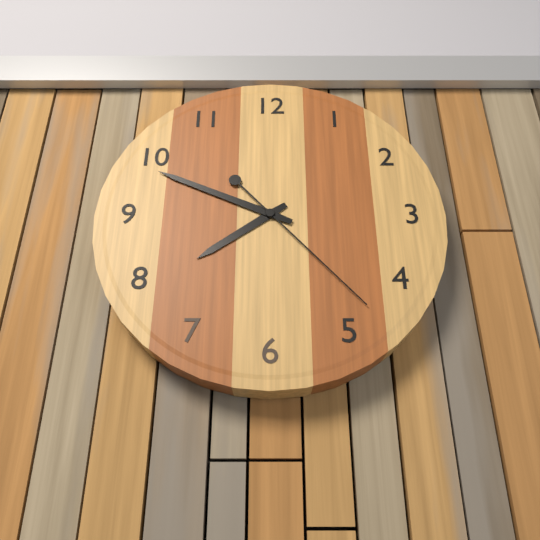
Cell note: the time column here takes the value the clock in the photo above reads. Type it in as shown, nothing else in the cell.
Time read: 7:49:23
